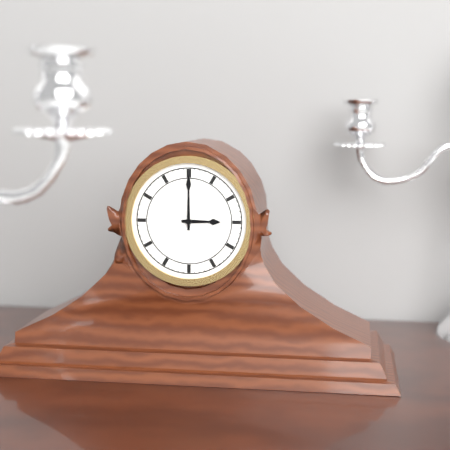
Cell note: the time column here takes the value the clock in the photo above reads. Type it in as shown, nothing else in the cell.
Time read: 3:00
